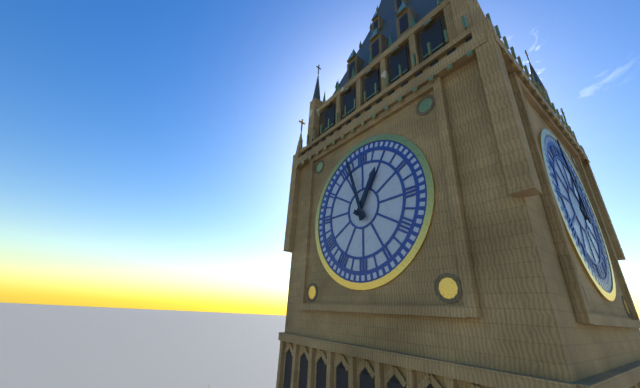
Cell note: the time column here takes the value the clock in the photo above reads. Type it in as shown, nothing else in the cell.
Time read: 12:57
